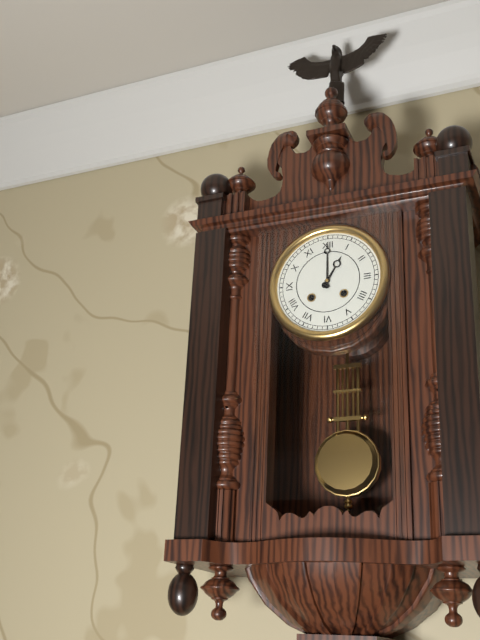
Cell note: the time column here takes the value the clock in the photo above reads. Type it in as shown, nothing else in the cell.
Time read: 1:00
